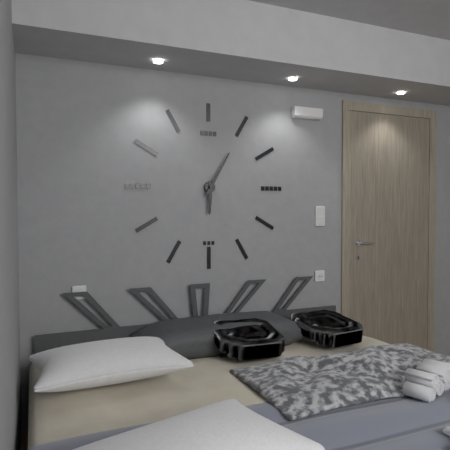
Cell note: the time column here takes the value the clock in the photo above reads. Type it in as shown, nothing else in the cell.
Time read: 6:05
